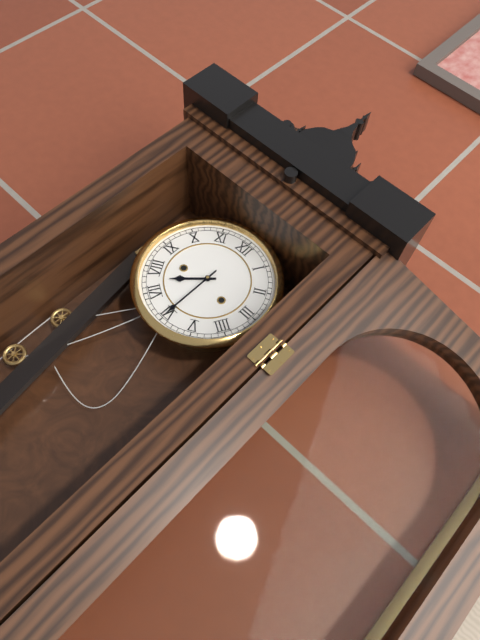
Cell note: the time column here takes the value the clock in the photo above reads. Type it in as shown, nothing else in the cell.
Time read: 7:30
